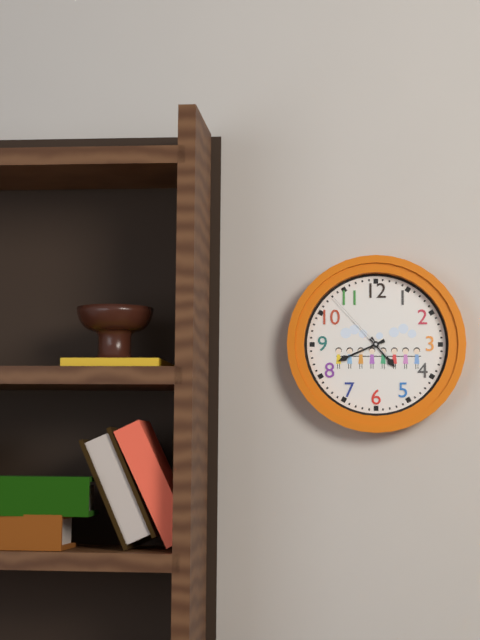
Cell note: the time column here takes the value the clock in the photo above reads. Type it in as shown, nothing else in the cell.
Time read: 4:41:53
